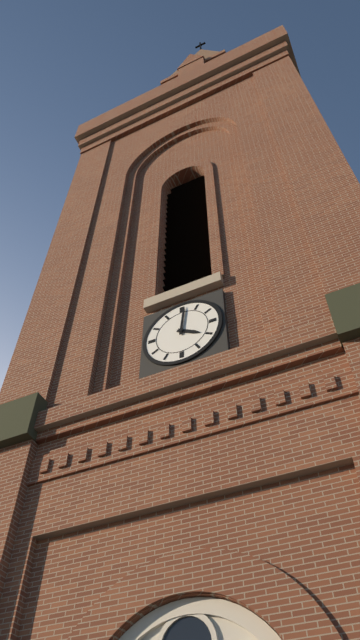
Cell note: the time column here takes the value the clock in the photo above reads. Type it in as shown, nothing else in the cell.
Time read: 4:01
